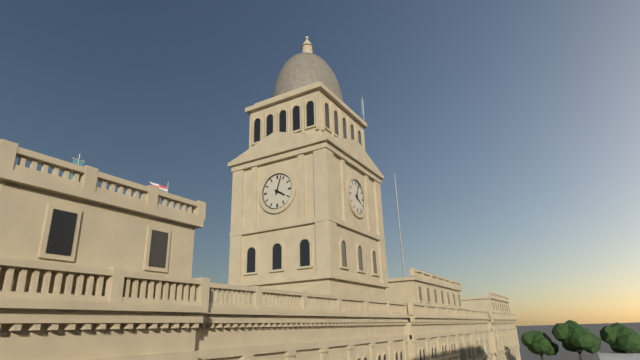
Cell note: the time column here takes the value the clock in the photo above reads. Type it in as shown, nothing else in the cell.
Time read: 4:03
